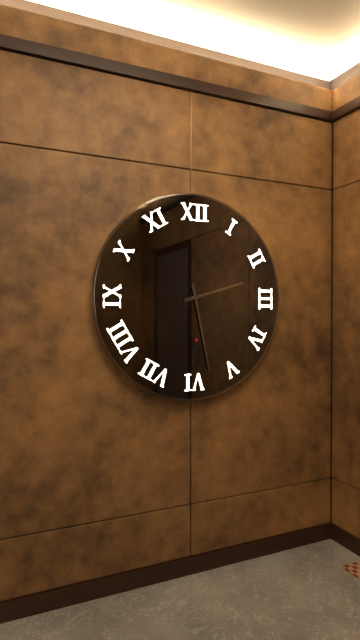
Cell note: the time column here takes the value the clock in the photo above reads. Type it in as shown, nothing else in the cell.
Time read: 2:28
